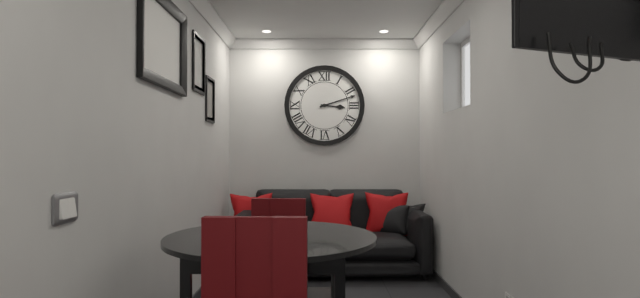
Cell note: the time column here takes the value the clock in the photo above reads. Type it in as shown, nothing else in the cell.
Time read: 3:12
